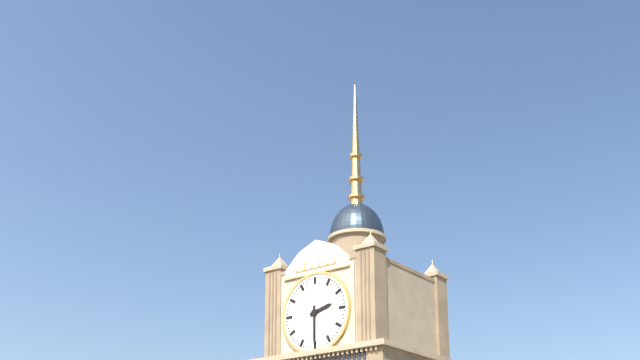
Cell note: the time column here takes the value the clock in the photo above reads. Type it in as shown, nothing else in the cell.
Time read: 2:30
